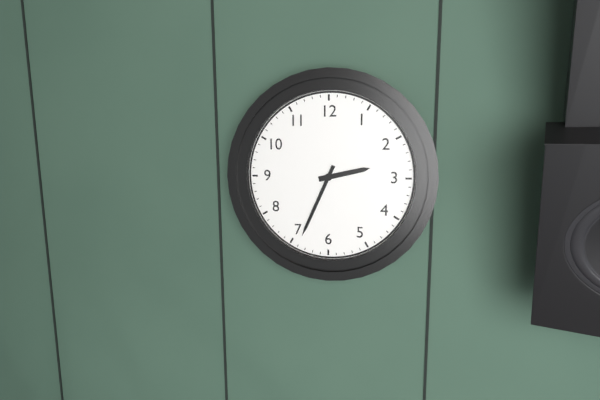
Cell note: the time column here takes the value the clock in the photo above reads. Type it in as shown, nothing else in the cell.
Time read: 2:34
